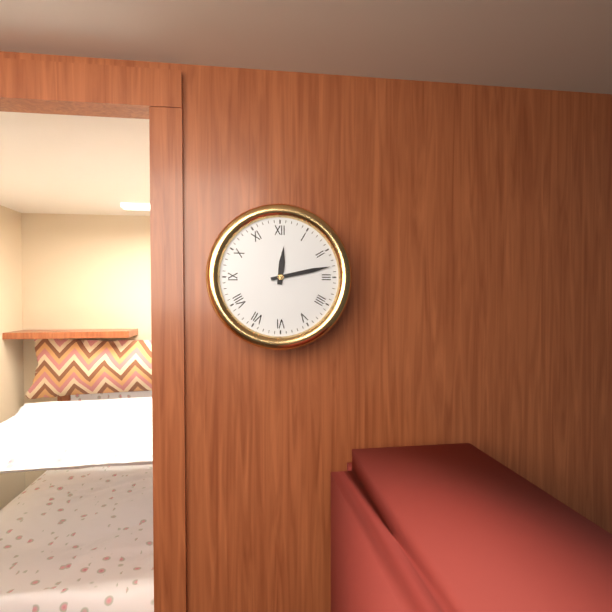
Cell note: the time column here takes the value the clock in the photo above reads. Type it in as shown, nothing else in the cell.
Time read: 12:13
